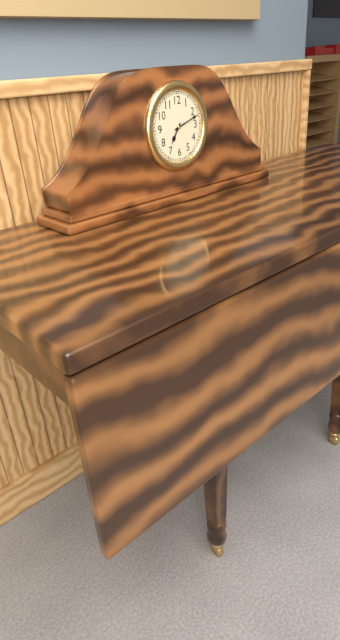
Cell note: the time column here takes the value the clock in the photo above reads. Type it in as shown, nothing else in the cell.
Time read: 7:12
